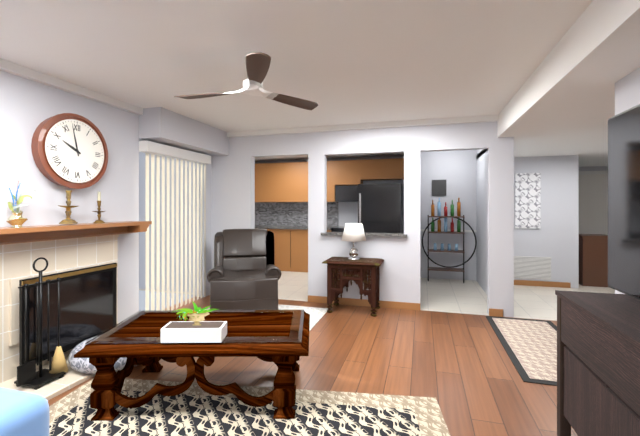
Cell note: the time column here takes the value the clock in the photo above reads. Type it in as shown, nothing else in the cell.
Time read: 9:58
